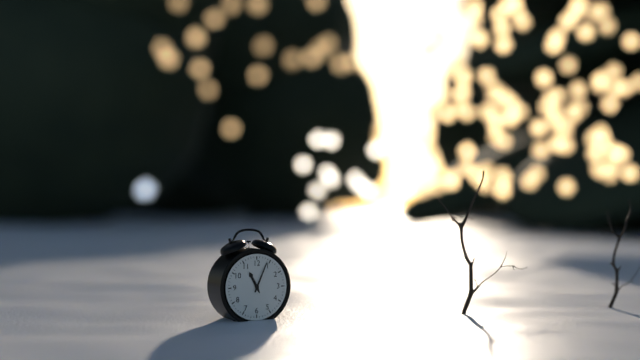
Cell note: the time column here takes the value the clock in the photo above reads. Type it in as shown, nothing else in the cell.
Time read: 11:04
